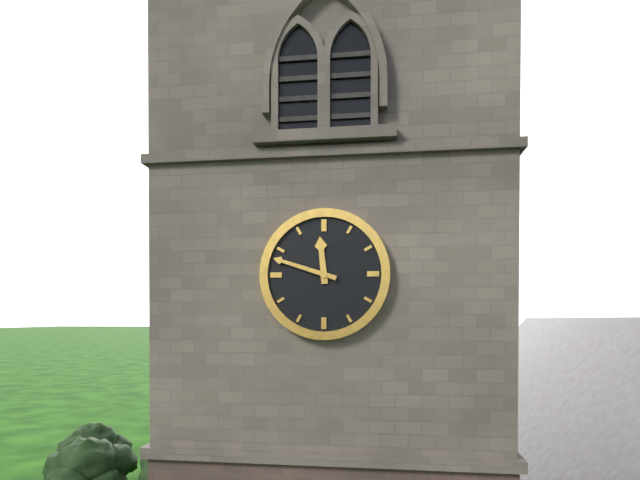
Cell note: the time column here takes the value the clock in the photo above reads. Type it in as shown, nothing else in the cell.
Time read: 11:48
